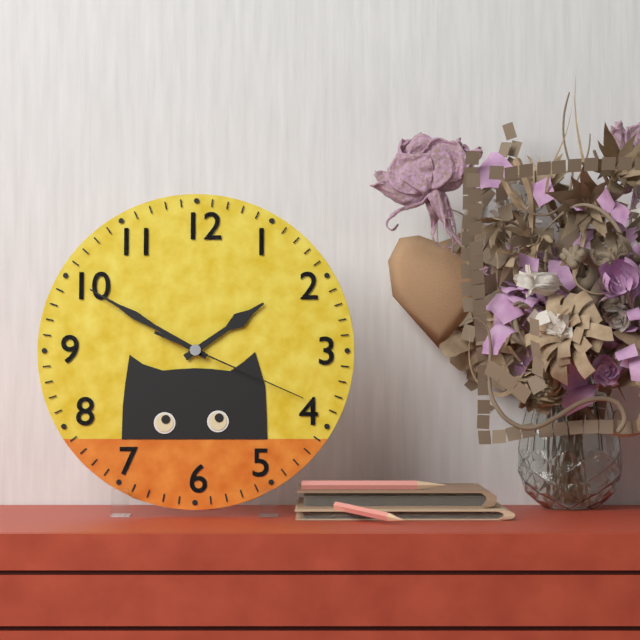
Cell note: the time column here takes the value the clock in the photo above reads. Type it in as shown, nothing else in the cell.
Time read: 1:50:19
